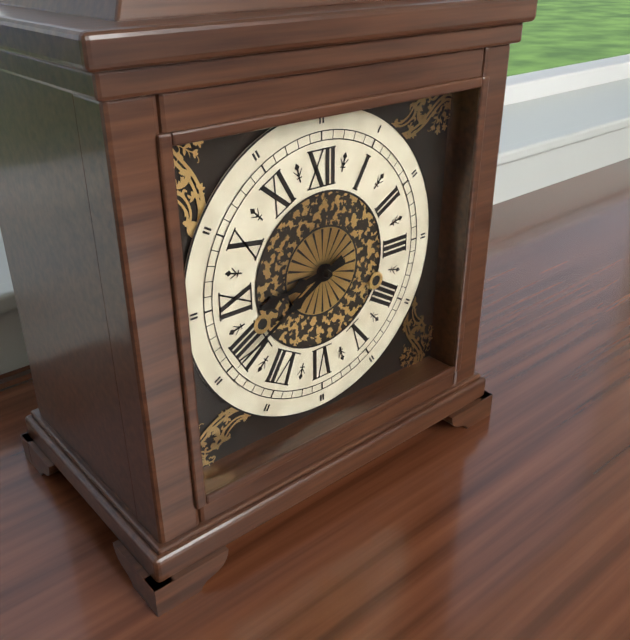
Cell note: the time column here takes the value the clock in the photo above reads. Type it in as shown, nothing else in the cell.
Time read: 8:40
